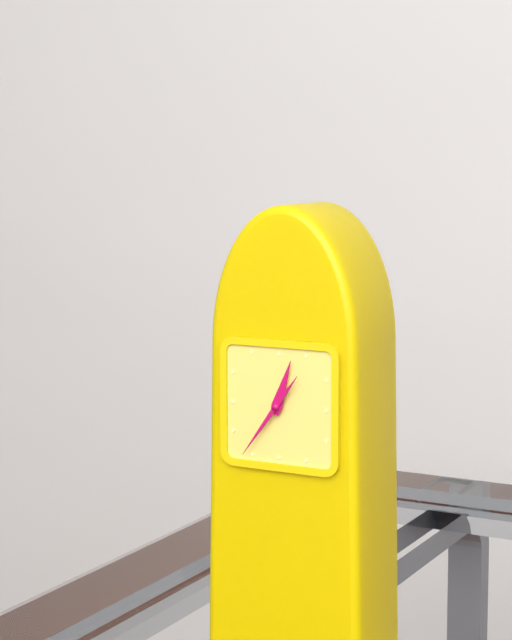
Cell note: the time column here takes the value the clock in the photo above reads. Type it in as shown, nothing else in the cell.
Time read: 12:36
